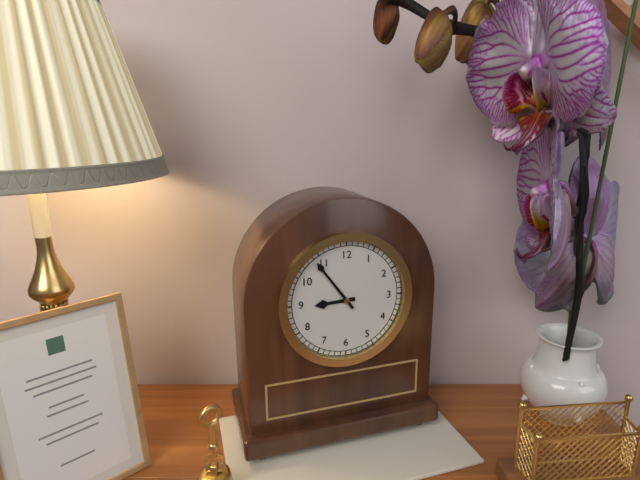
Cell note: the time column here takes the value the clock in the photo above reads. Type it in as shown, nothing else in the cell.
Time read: 8:54
